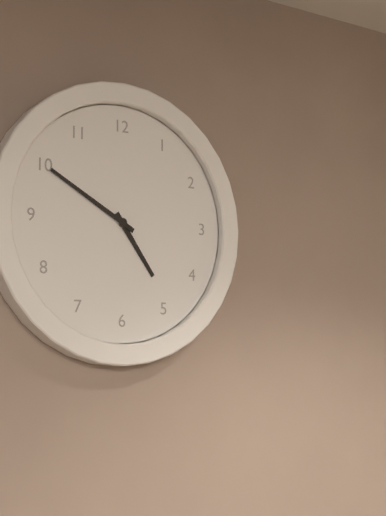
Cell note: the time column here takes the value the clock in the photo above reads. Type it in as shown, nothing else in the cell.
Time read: 4:50
